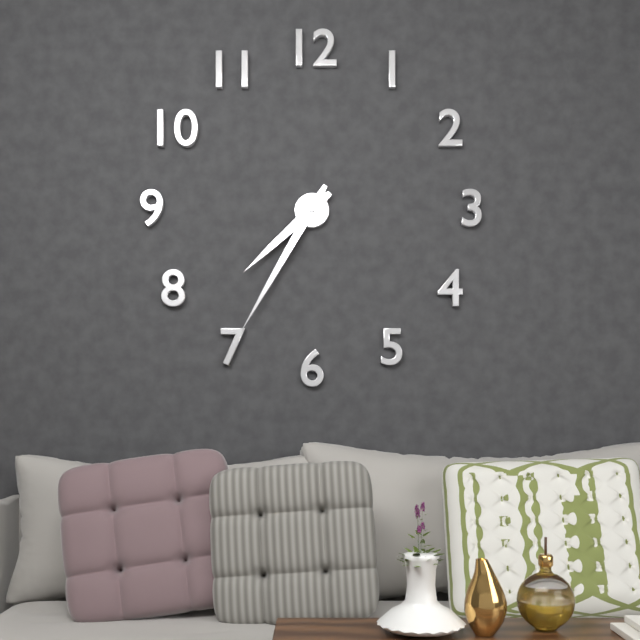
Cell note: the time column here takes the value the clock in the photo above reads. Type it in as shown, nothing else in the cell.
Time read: 7:35
